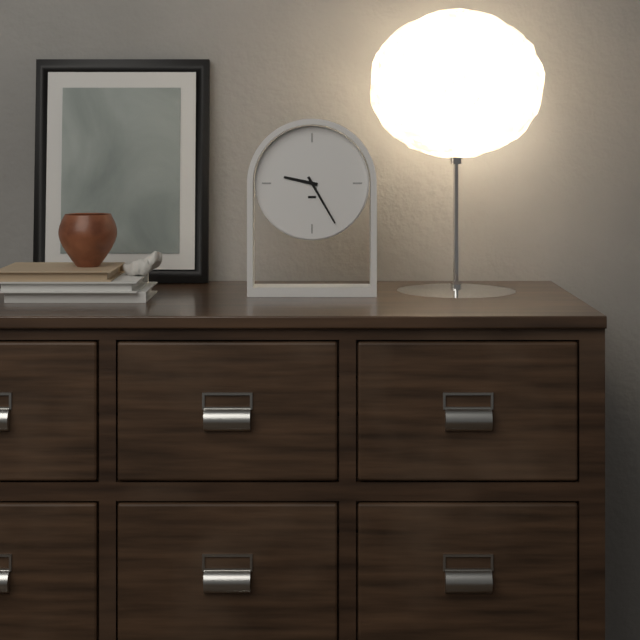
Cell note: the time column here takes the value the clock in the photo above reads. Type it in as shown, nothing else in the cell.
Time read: 9:25
